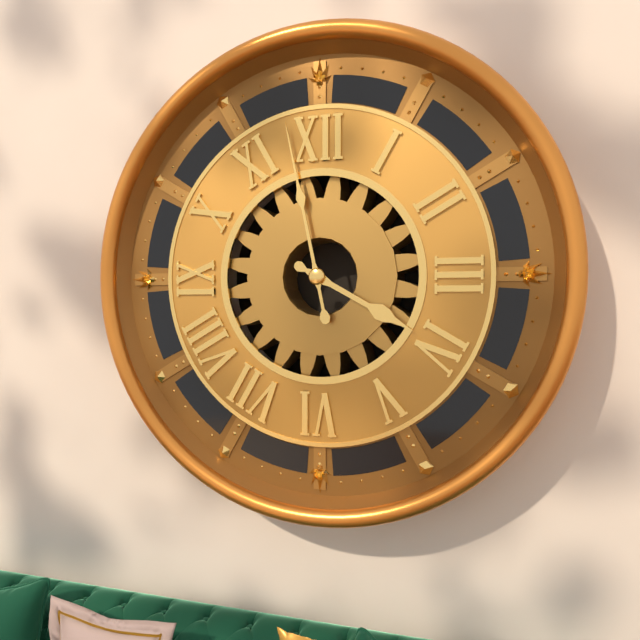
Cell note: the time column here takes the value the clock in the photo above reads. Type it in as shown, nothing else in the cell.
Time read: 3:58
